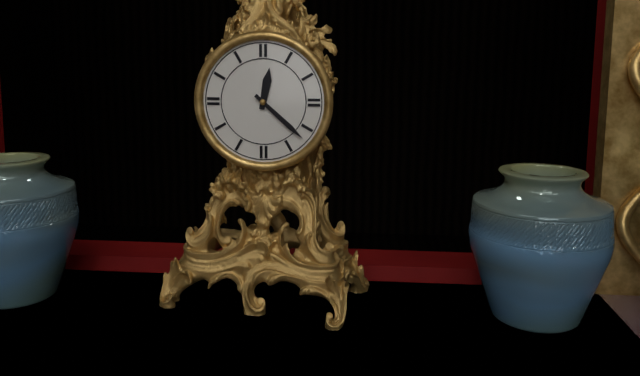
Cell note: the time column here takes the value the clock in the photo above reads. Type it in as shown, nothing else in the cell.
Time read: 12:22
